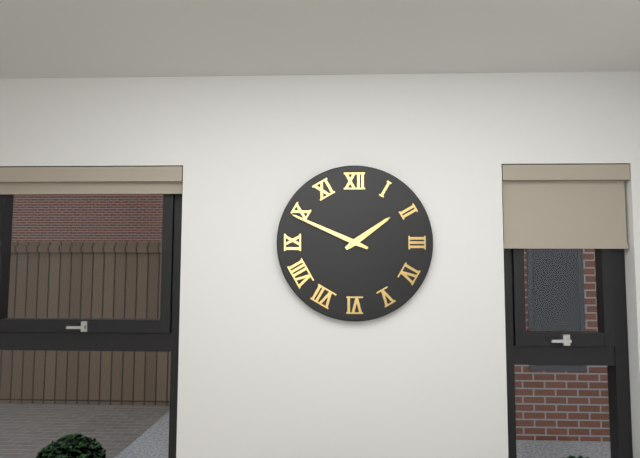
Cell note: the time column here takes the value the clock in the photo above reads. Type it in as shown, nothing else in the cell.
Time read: 1:49
